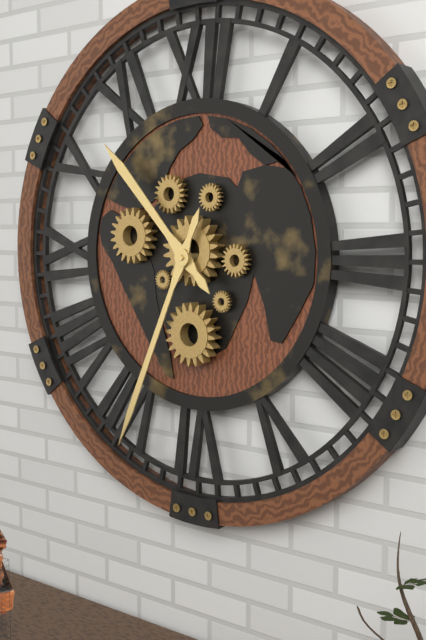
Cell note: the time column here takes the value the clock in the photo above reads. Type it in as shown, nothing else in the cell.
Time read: 10:34
